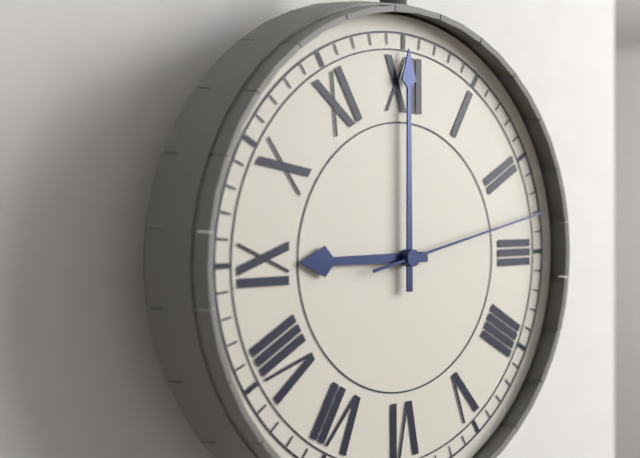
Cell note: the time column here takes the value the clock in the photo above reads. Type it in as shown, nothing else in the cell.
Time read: 9:00:13
